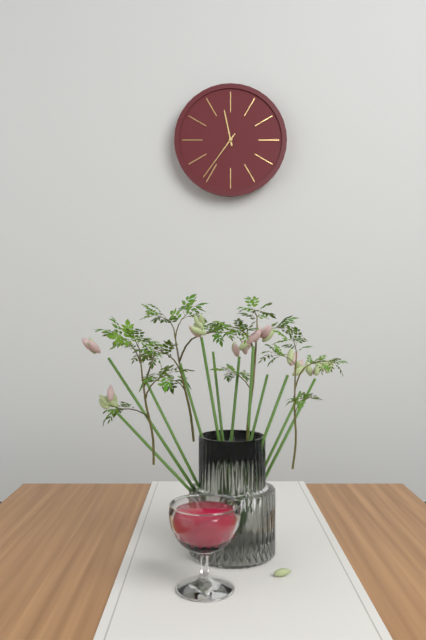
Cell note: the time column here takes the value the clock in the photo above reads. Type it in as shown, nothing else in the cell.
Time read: 11:36
